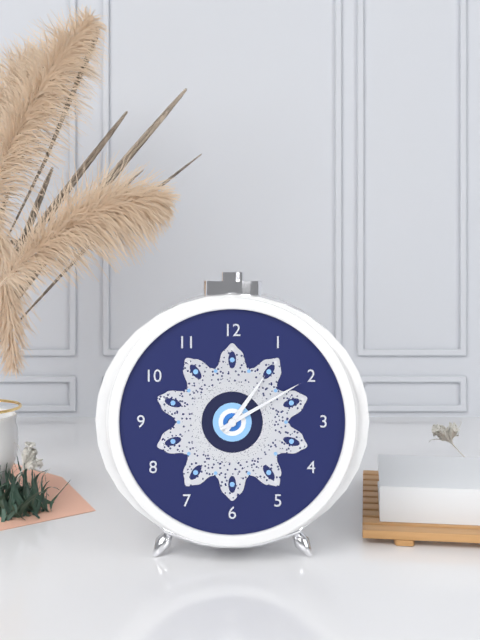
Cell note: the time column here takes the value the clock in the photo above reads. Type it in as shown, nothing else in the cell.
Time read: 1:10
